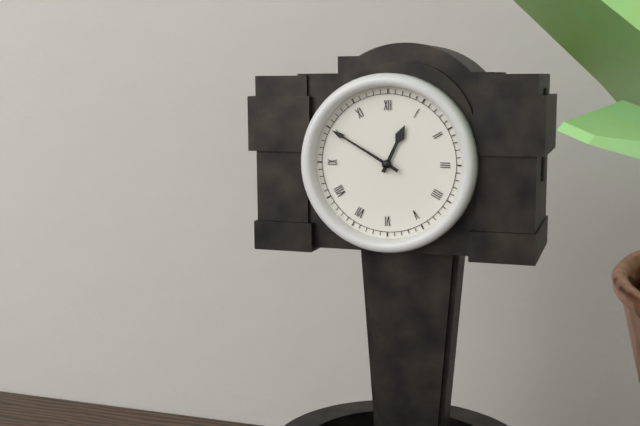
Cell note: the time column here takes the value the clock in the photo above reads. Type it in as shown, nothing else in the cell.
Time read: 12:50
